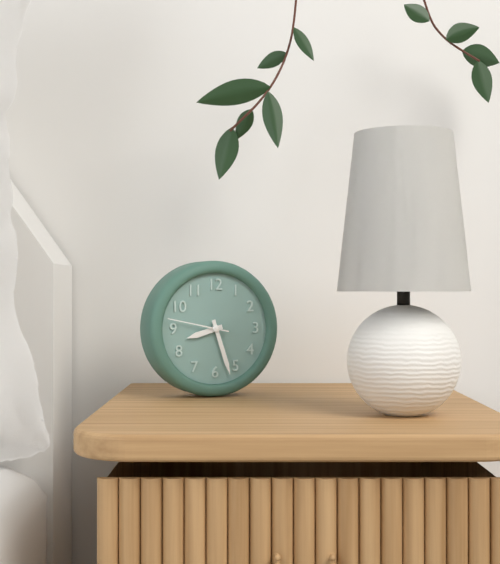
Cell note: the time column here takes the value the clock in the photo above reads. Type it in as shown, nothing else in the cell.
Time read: 8:27:47
